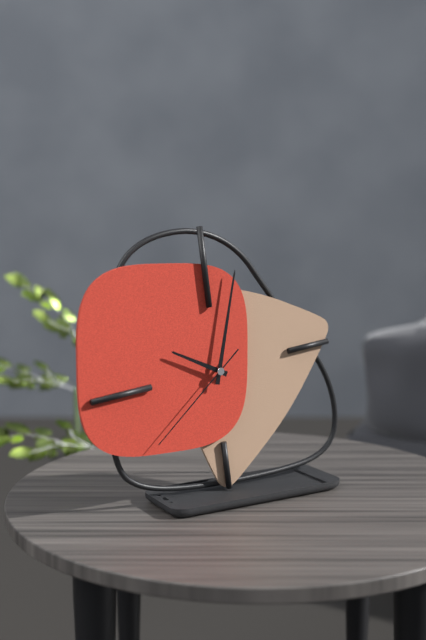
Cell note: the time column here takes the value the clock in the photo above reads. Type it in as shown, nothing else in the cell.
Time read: 10:03:39
